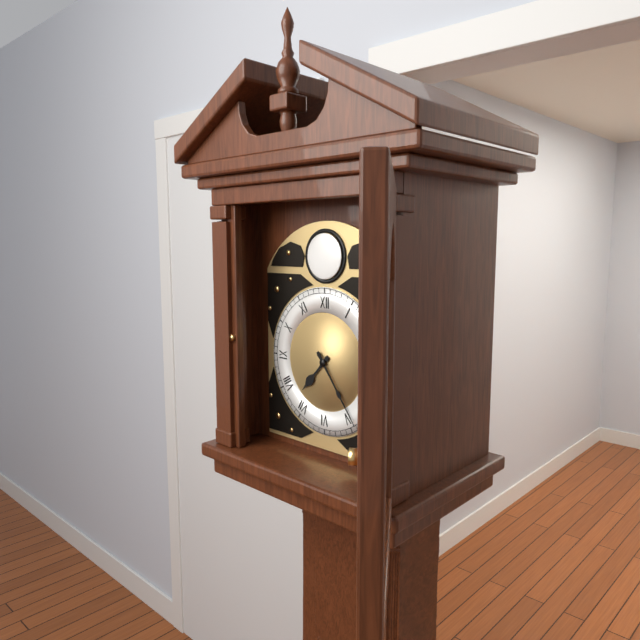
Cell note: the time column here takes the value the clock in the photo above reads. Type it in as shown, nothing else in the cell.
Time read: 7:24
